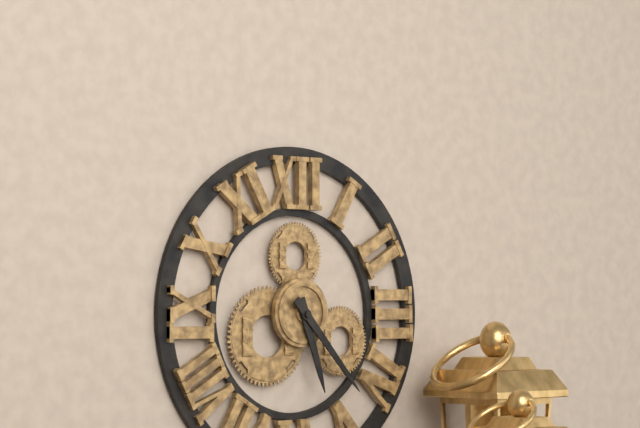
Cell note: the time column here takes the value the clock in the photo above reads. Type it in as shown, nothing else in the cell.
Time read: 5:23
